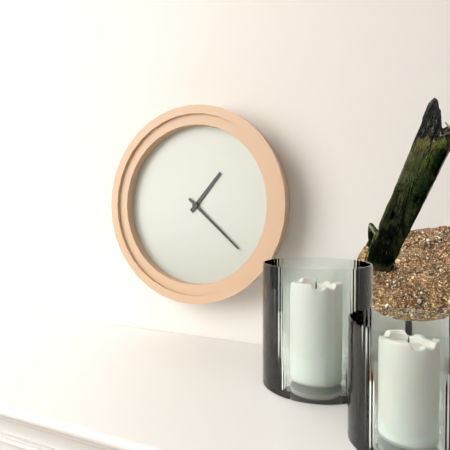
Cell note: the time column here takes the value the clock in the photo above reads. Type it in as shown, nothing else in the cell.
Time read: 1:22
